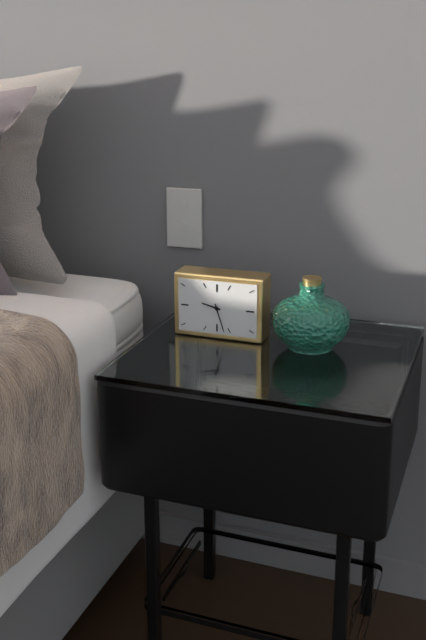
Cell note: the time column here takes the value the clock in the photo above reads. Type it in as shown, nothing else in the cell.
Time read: 9:27
